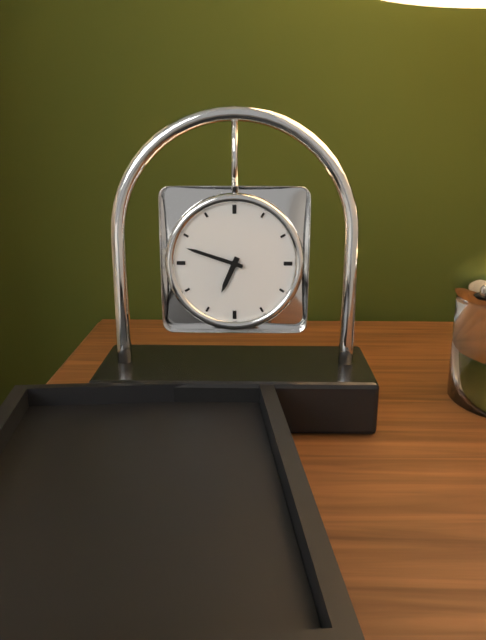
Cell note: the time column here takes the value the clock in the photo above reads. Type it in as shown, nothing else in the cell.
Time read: 6:48
